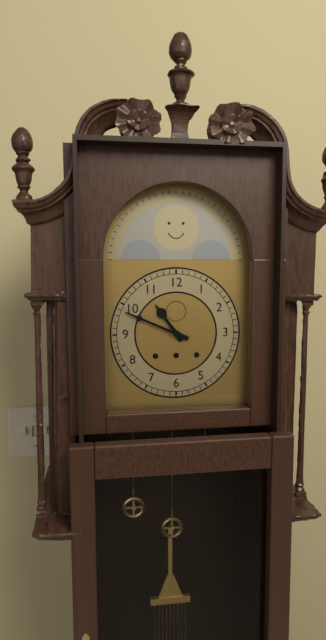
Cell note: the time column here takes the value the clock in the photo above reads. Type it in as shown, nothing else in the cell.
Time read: 10:49
